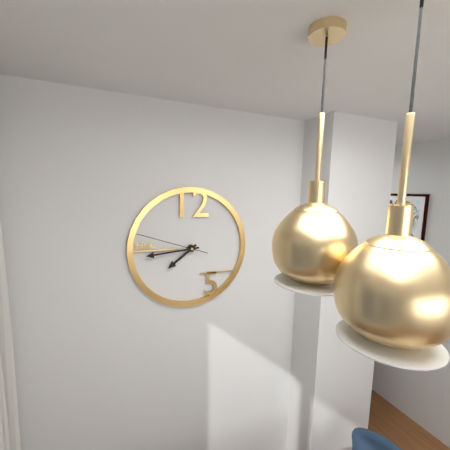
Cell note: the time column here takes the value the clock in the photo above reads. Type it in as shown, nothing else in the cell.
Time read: 7:44:48
